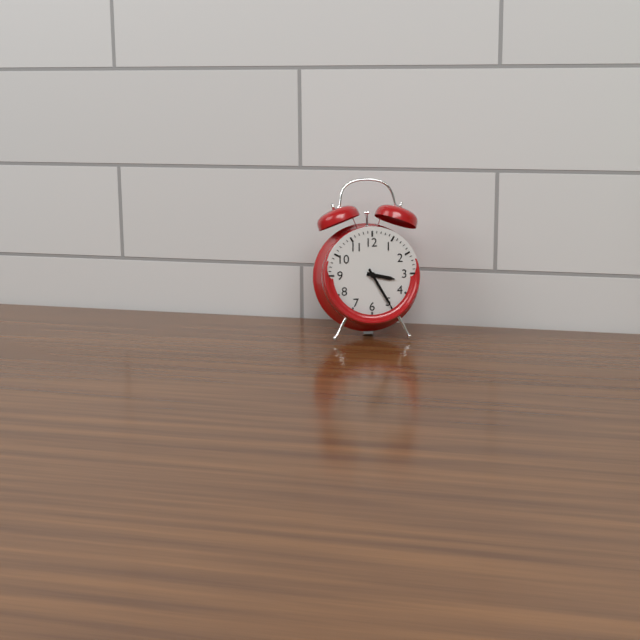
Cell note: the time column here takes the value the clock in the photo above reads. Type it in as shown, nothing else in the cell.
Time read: 3:25
